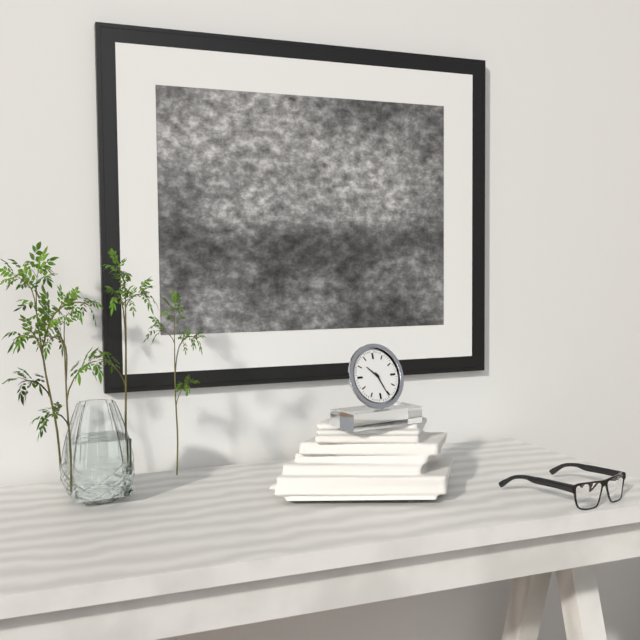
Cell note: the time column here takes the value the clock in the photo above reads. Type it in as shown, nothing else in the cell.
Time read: 10:26
